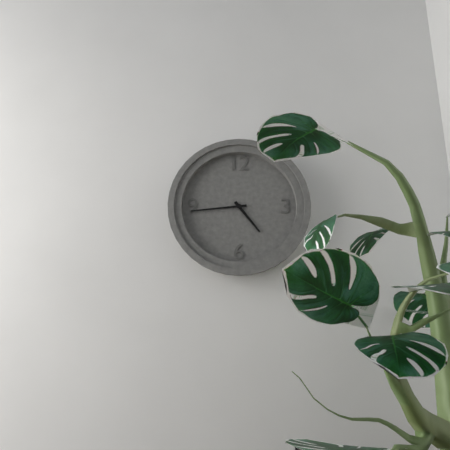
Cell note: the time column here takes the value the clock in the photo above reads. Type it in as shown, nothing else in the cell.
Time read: 4:44
